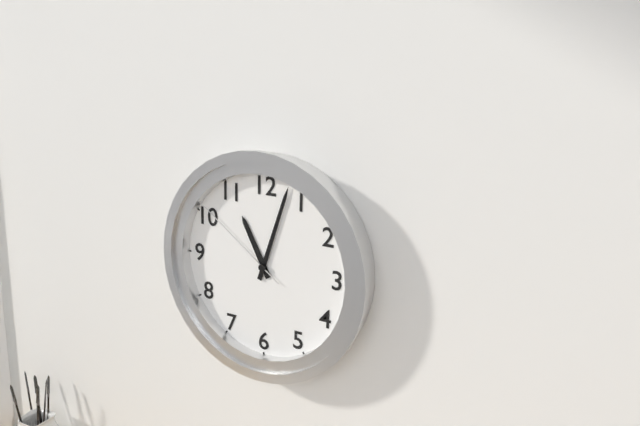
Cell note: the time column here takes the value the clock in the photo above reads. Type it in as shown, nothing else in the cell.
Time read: 11:03:51
